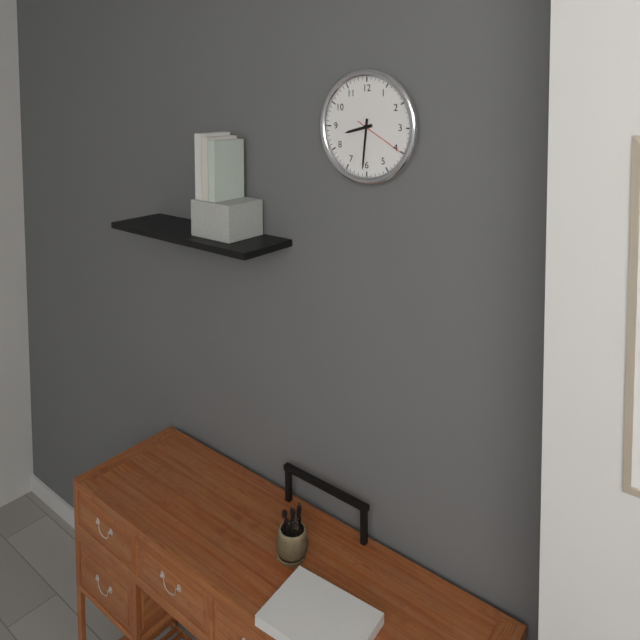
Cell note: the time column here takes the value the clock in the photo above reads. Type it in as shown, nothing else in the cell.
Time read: 8:31:20
